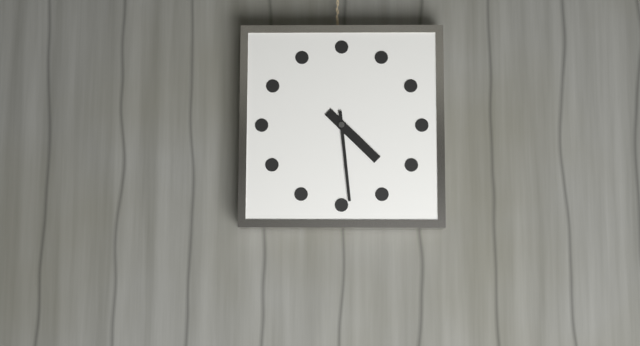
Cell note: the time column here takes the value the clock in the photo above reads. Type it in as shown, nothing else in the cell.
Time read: 4:29
